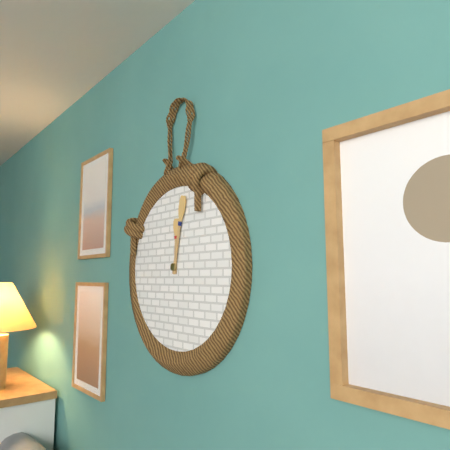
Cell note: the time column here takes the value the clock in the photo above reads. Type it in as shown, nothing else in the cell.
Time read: 12:02
